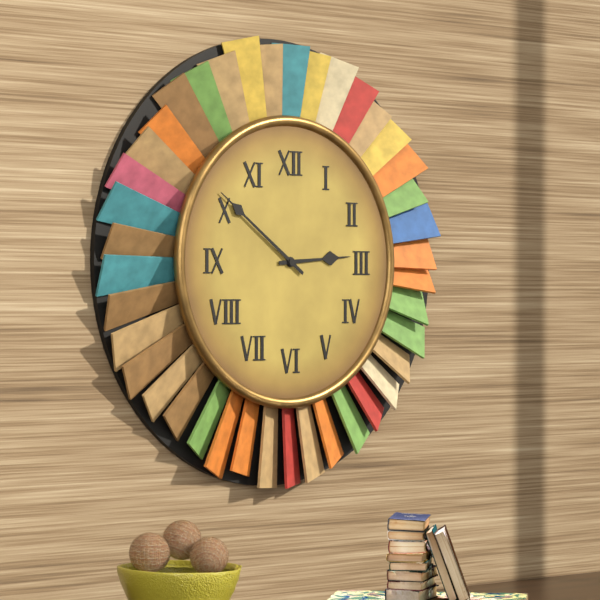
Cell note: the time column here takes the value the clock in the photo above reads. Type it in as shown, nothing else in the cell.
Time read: 2:51
